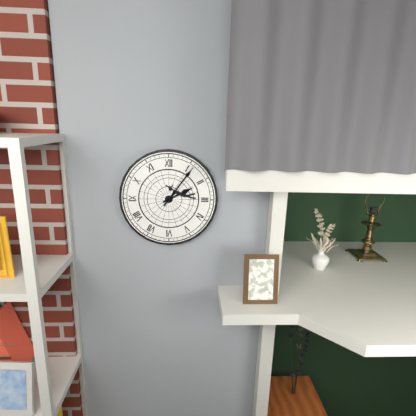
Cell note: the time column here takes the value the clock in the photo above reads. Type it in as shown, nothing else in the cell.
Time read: 2:06
